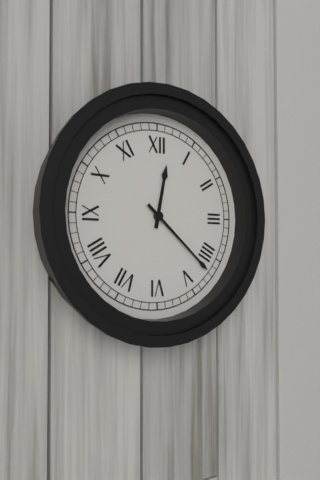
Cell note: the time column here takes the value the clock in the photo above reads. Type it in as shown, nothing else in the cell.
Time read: 12:22
